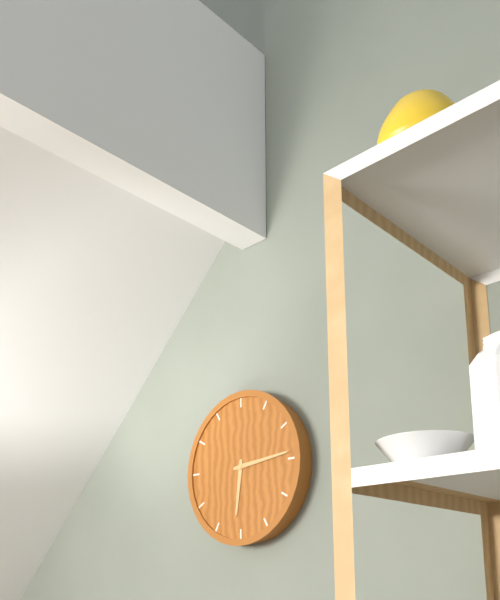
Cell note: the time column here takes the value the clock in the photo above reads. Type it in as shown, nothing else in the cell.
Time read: 6:14
